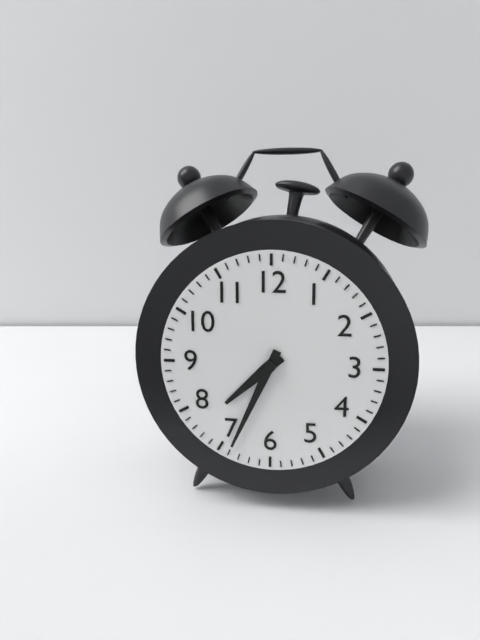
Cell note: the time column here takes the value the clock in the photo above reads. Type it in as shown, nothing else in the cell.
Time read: 7:34
